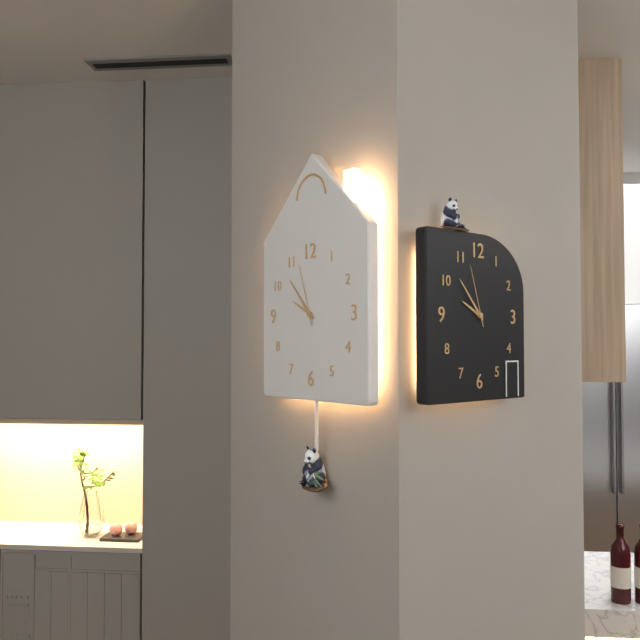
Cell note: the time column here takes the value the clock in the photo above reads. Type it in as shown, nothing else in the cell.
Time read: 9:53:57
